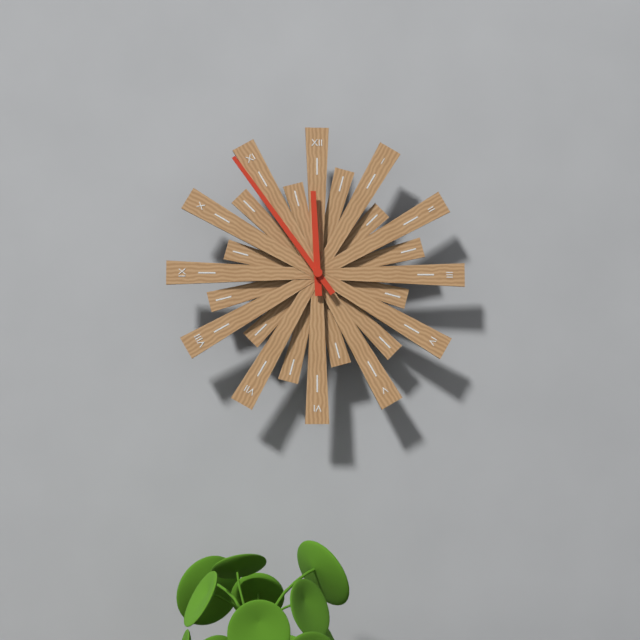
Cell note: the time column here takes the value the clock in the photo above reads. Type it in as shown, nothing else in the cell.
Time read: 11:54
